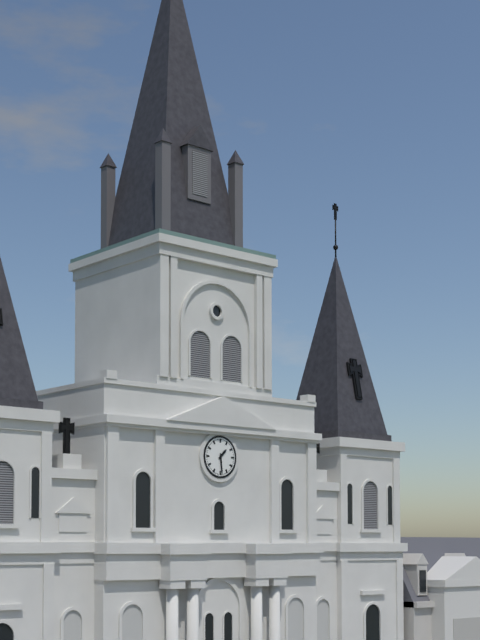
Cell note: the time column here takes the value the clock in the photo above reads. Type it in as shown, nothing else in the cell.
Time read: 1:29
